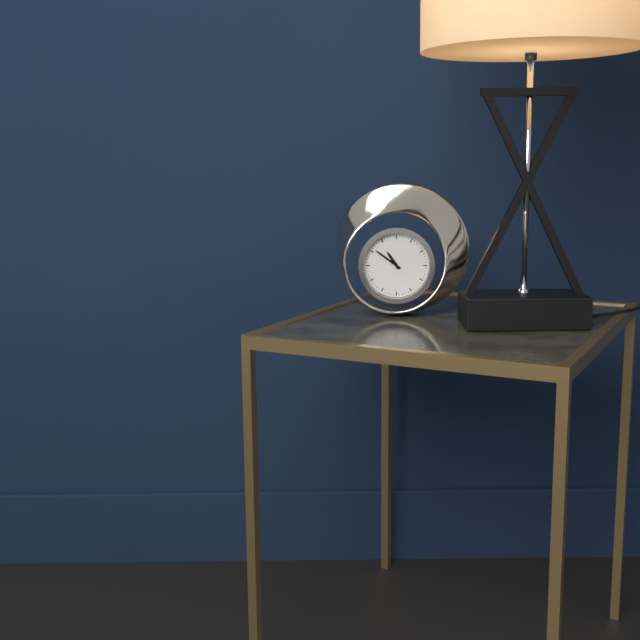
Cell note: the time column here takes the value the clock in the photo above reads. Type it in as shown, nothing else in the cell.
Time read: 10:51
